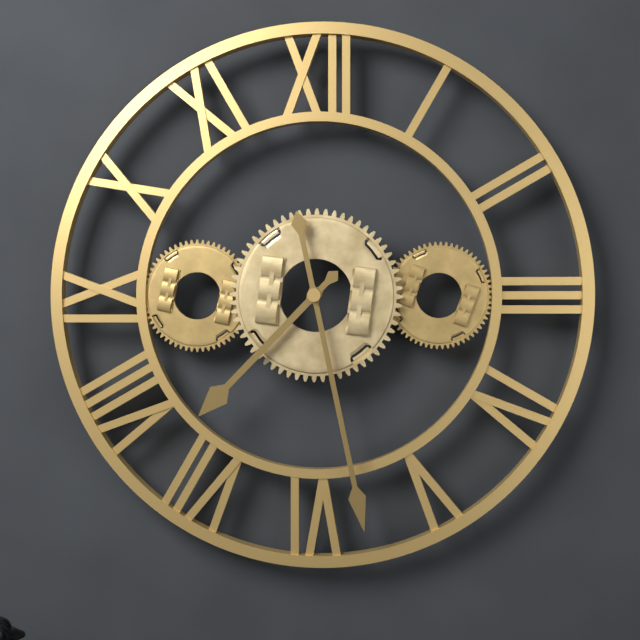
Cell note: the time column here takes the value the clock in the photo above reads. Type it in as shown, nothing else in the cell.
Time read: 7:28
